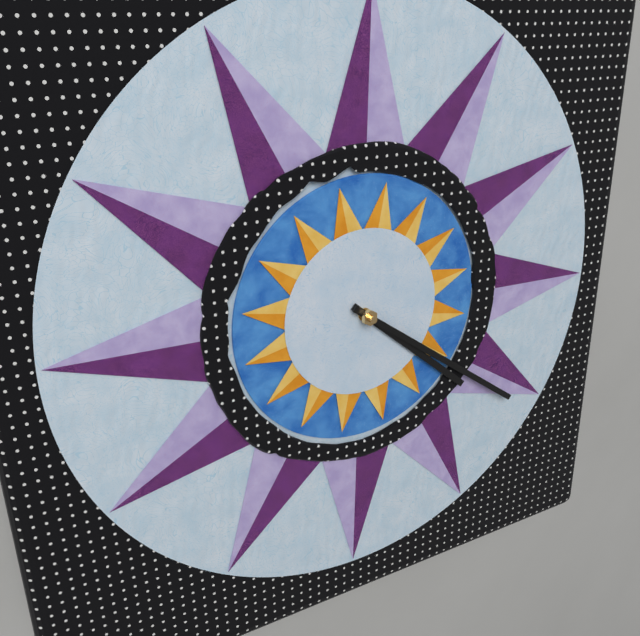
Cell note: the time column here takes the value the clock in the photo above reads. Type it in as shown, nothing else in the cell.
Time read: 4:21
